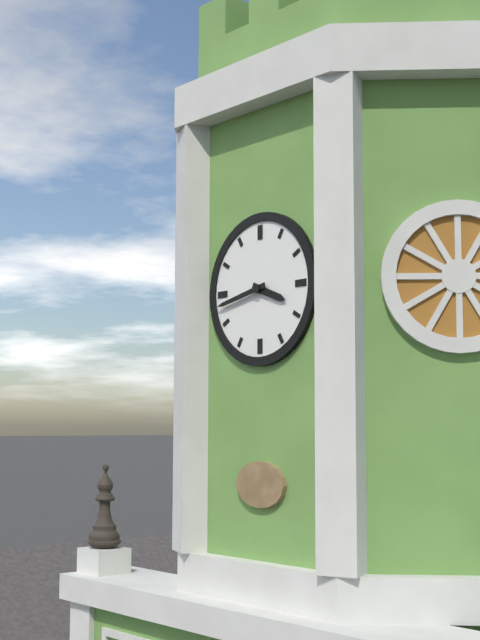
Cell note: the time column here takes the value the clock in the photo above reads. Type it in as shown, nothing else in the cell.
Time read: 3:43
